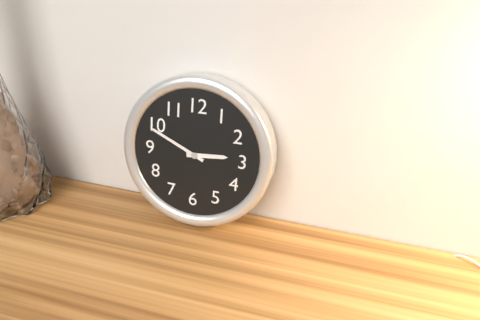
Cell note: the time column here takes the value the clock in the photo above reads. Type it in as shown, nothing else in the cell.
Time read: 2:49
